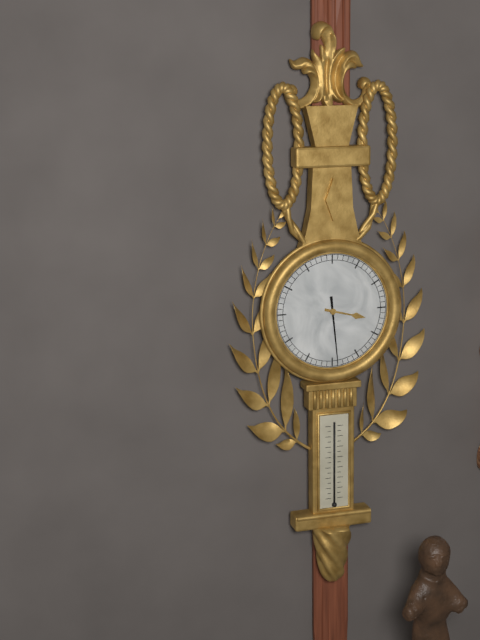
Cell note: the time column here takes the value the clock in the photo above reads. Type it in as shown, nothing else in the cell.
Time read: 3:29
